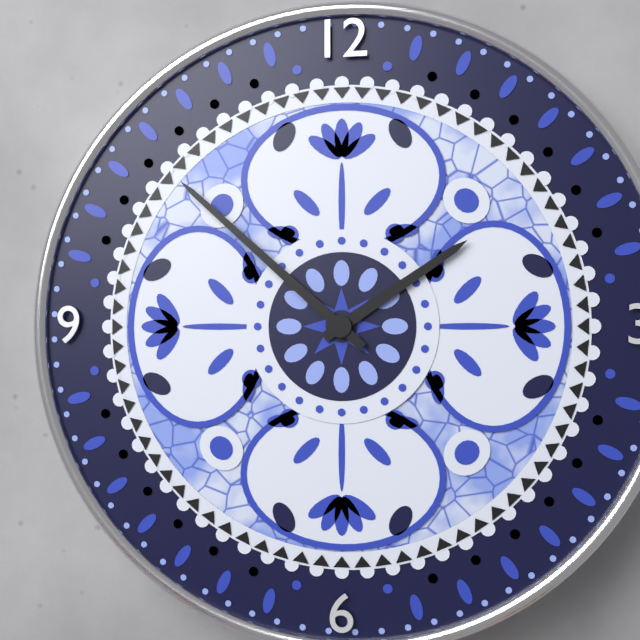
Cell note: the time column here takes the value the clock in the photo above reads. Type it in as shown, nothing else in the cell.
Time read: 1:52
